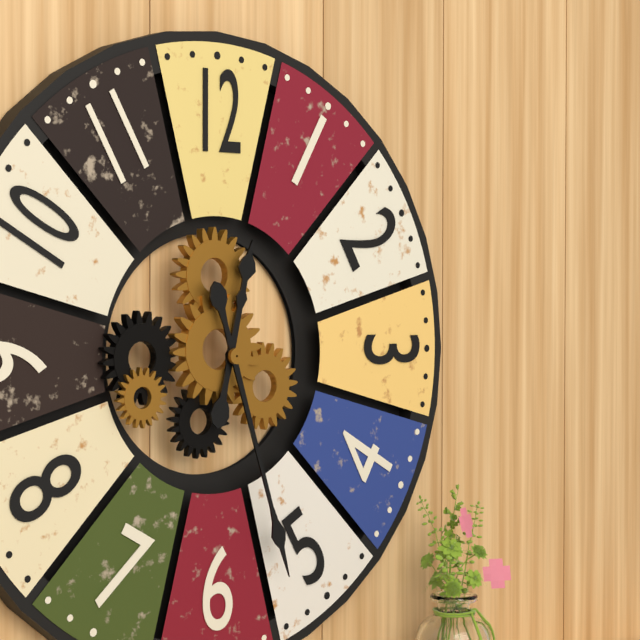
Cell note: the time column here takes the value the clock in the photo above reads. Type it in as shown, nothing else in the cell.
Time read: 12:27
